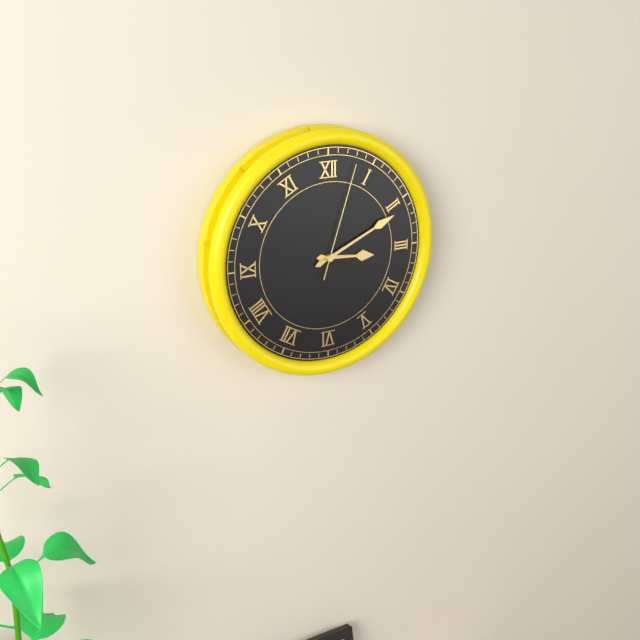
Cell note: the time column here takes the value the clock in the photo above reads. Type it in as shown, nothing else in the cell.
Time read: 3:11:03
